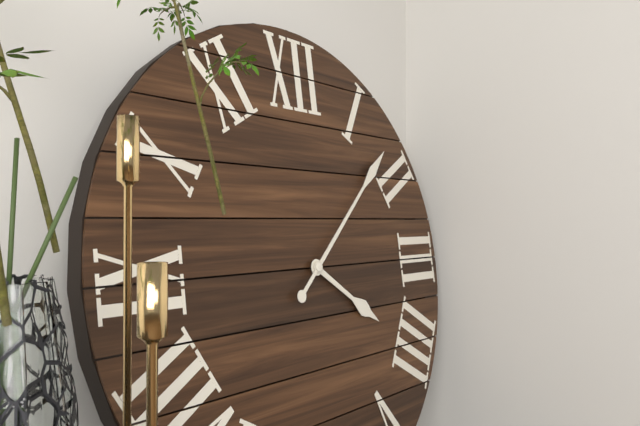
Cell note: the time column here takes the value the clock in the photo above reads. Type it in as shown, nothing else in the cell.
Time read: 4:08
